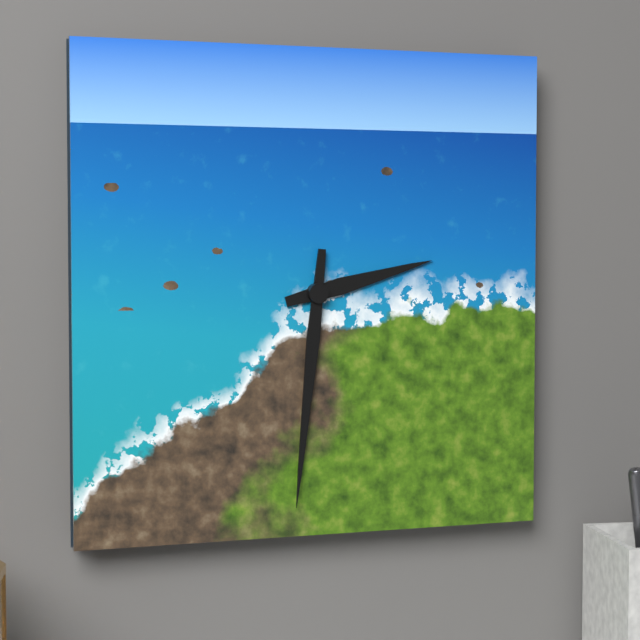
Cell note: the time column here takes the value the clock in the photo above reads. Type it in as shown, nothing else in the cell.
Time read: 2:31
